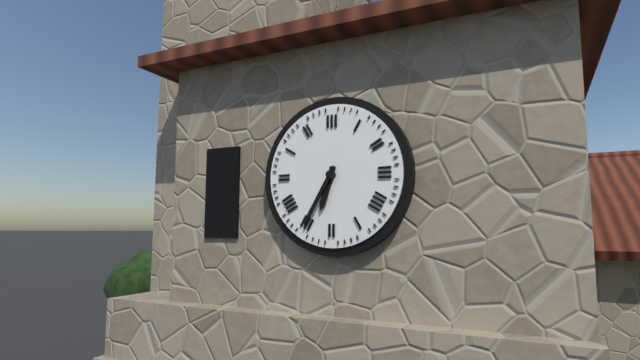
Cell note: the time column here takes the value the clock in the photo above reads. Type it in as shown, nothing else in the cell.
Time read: 6:35
